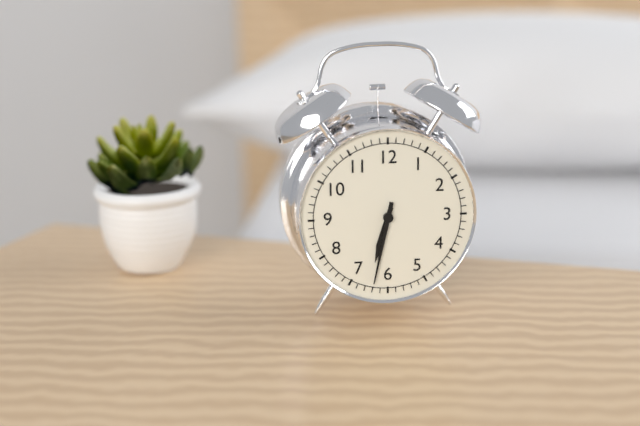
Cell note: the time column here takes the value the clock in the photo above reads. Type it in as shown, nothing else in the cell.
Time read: 6:32
